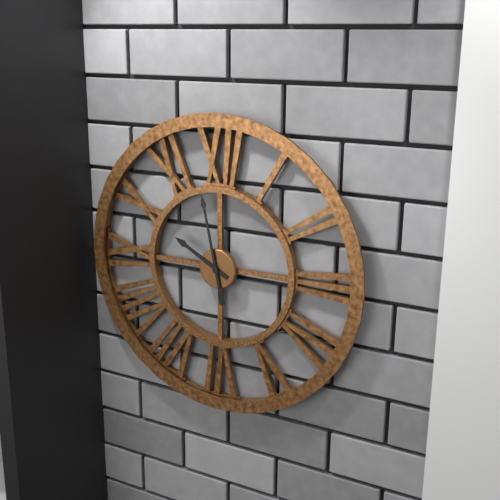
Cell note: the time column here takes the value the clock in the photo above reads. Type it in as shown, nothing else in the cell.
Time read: 9:58
